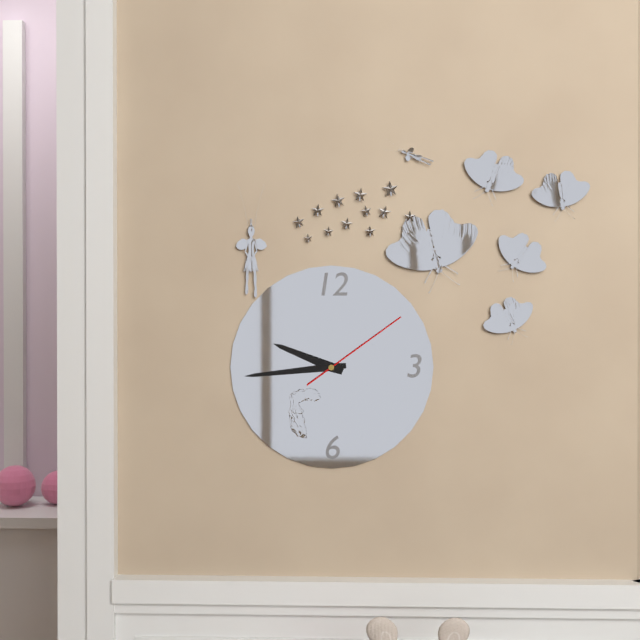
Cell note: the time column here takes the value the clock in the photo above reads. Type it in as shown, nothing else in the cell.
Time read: 9:44:09
